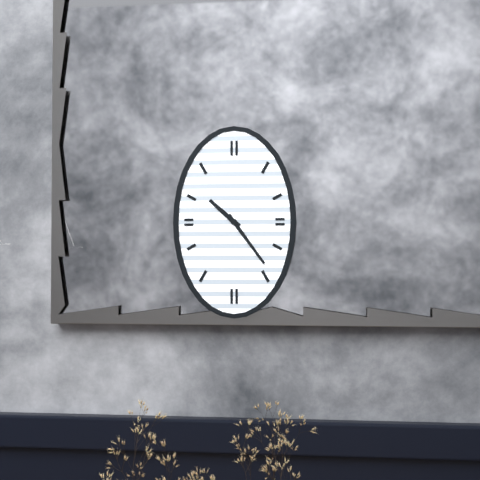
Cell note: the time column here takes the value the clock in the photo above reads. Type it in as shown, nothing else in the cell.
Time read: 10:24
